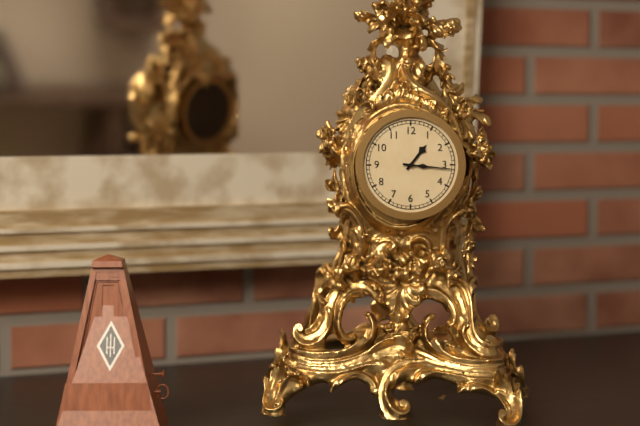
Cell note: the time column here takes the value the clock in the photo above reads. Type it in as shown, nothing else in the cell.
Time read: 1:16
